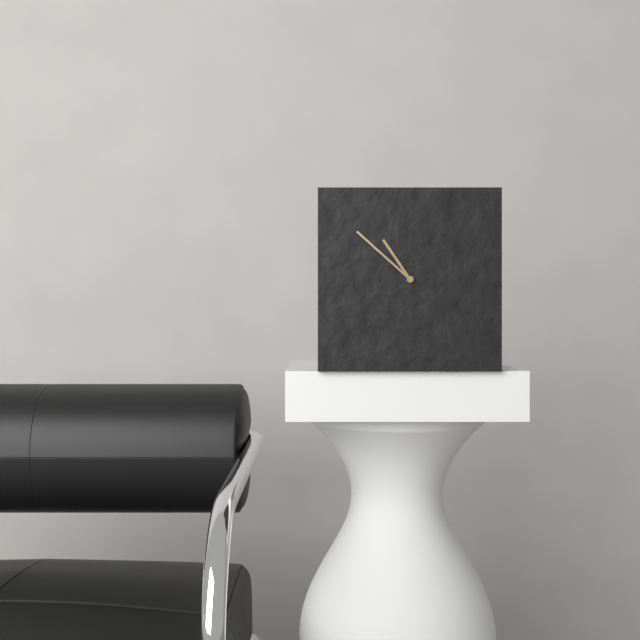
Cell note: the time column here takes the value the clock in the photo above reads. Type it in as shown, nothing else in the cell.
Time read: 10:52
